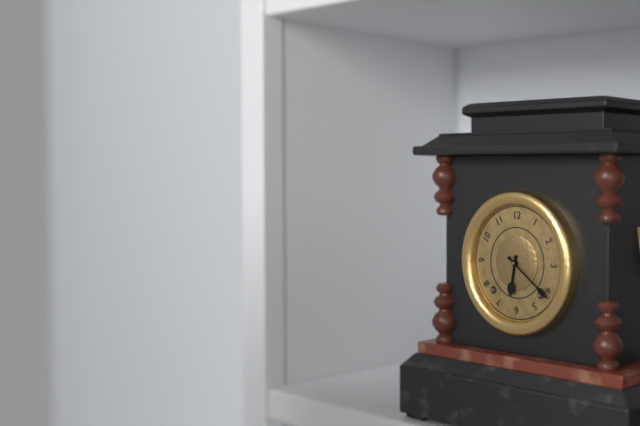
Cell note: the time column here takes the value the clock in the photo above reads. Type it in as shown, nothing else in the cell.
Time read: 6:21
